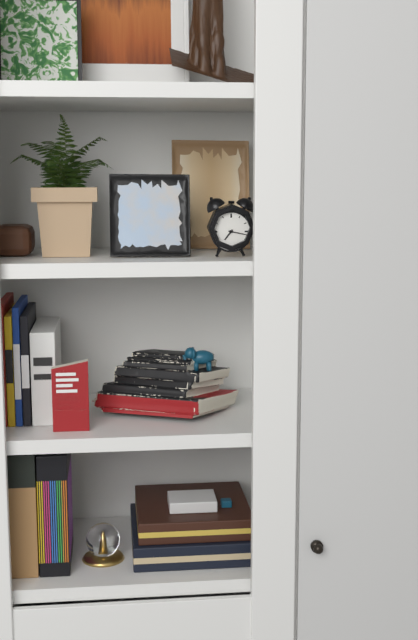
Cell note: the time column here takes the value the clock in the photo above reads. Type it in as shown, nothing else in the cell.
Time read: 7:17
